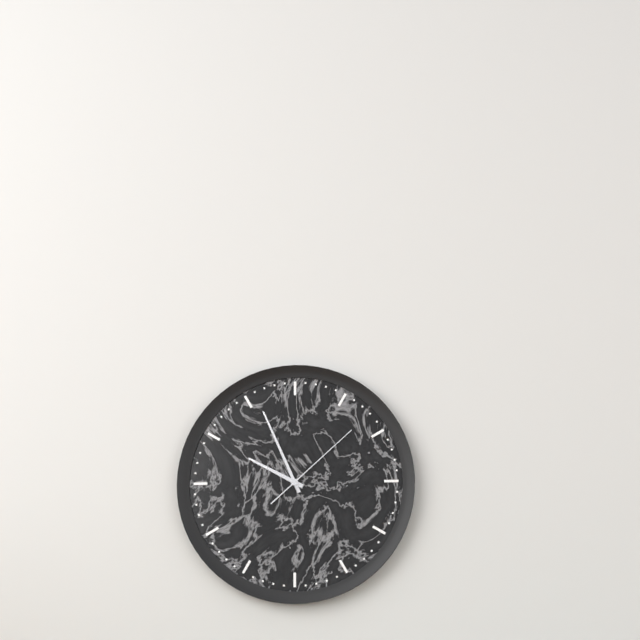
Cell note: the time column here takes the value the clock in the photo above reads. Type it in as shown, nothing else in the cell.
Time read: 9:56:08
